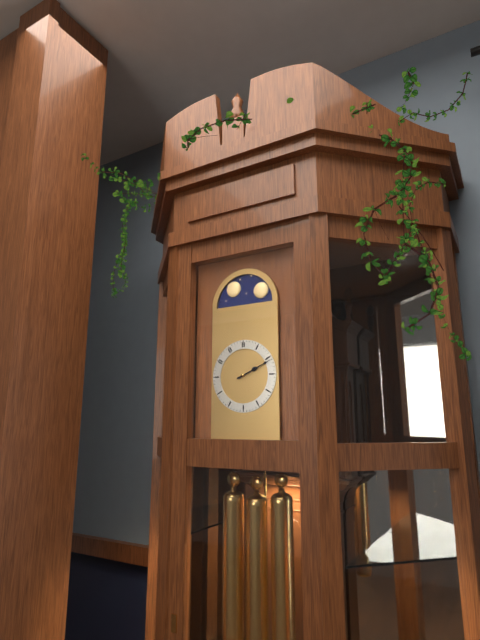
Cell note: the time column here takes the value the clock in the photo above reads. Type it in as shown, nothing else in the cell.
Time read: 2:11
